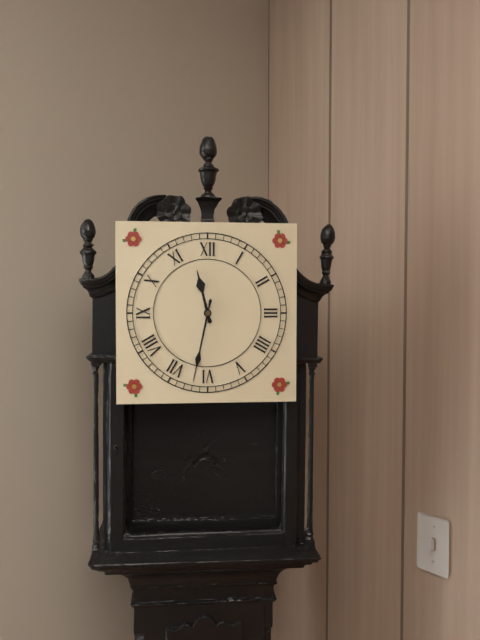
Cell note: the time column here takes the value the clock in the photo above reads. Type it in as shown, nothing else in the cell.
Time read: 11:32
